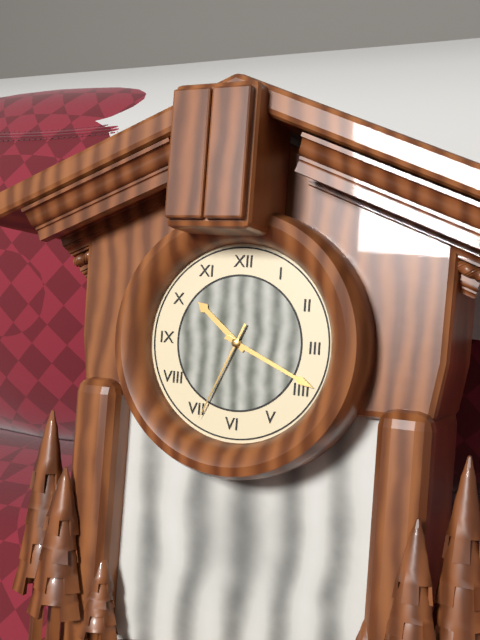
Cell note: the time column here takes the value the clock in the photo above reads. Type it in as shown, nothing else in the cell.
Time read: 10:19:34
